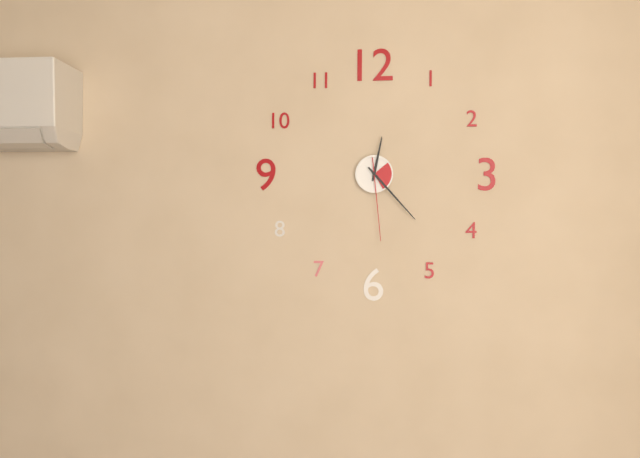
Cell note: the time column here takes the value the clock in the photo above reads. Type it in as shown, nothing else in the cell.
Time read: 12:23:29
